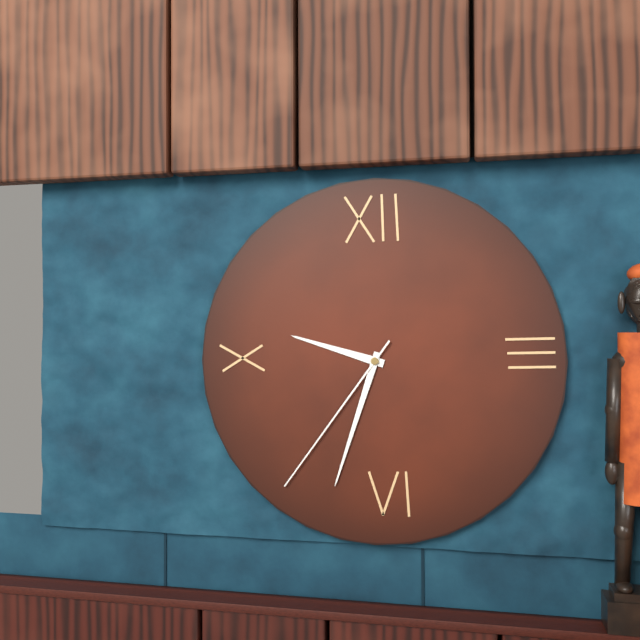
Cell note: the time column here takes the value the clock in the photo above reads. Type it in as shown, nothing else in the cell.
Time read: 9:33:36
